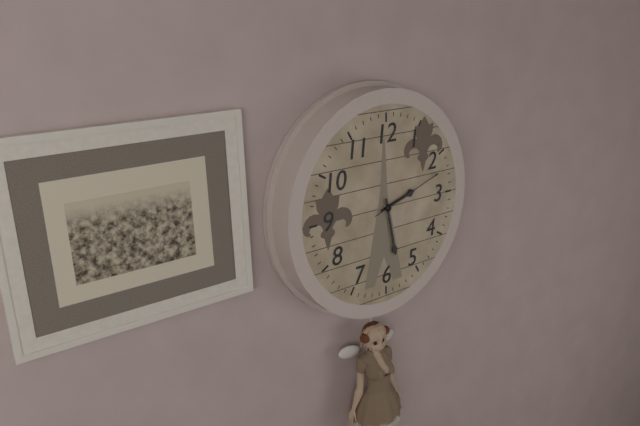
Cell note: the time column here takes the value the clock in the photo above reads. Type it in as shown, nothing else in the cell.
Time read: 2:28:12
